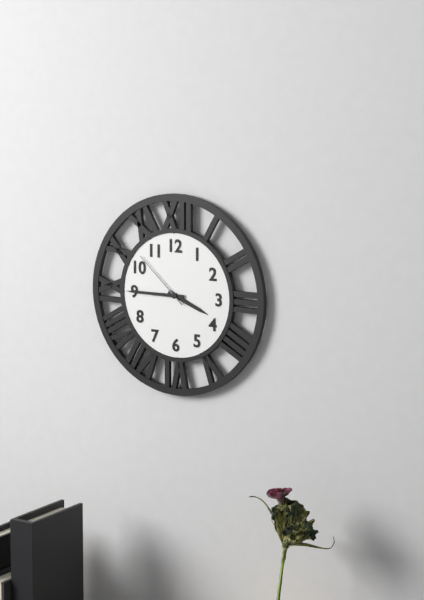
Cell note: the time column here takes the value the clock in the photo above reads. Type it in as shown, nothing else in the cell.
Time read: 3:45:52
